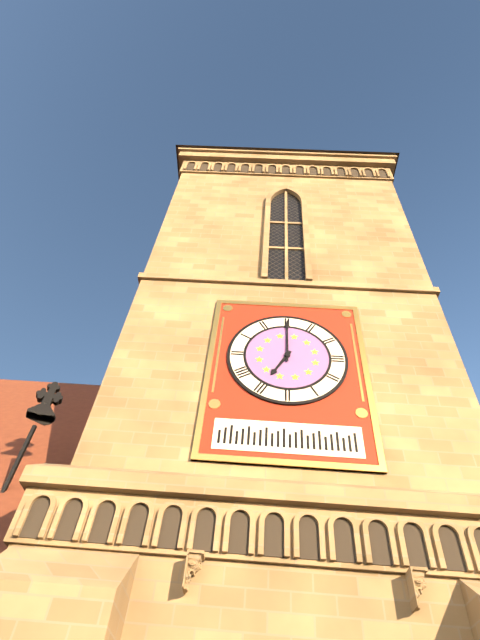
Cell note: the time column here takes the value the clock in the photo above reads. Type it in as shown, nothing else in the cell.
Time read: 7:00
